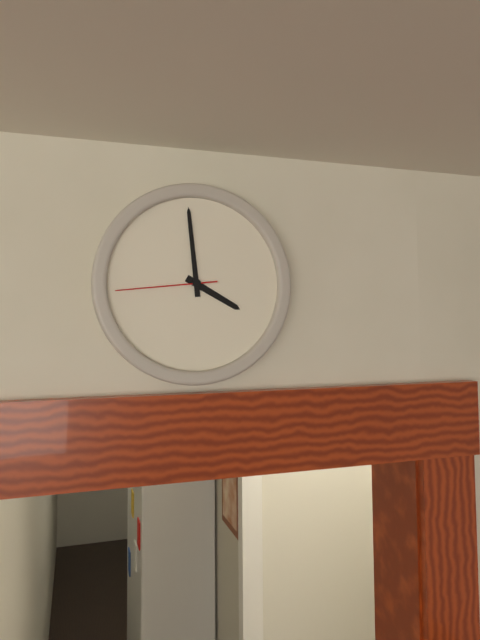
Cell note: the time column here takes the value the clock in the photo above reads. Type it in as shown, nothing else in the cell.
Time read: 3:59:44
